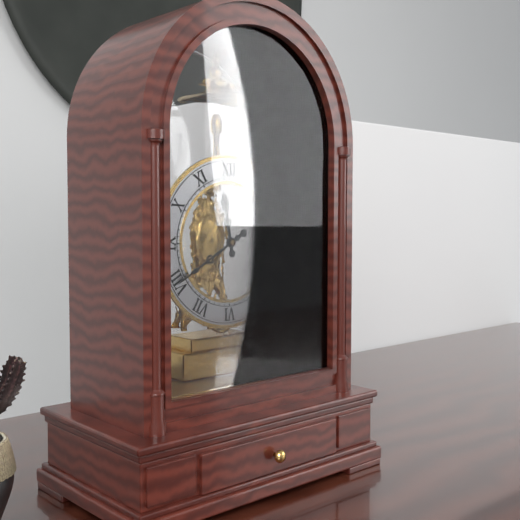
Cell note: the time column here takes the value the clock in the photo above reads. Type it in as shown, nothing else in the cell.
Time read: 11:40
